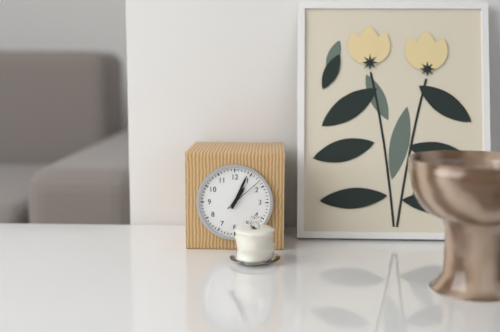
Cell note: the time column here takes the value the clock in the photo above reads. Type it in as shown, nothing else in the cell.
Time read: 1:04
